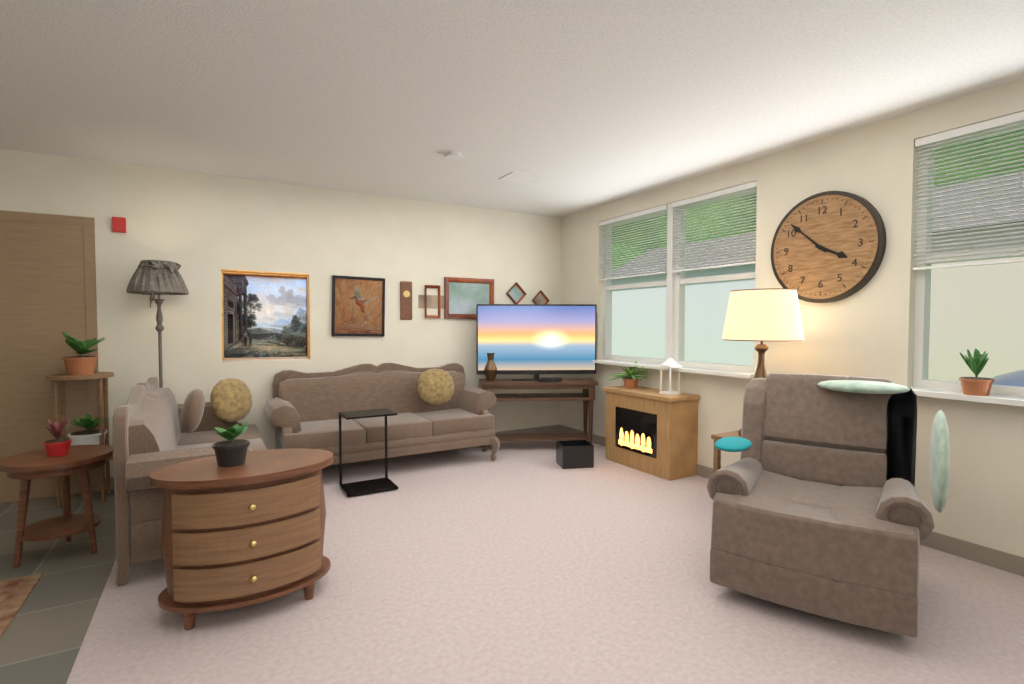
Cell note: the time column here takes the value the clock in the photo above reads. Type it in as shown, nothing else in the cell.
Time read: 3:52
